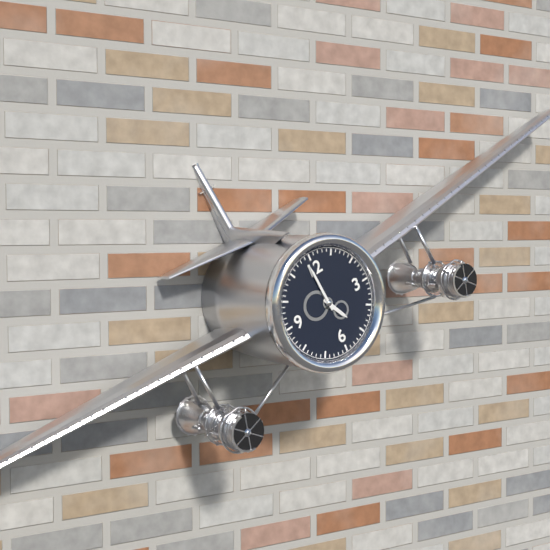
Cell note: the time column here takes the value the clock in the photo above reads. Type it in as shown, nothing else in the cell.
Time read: 4:59
